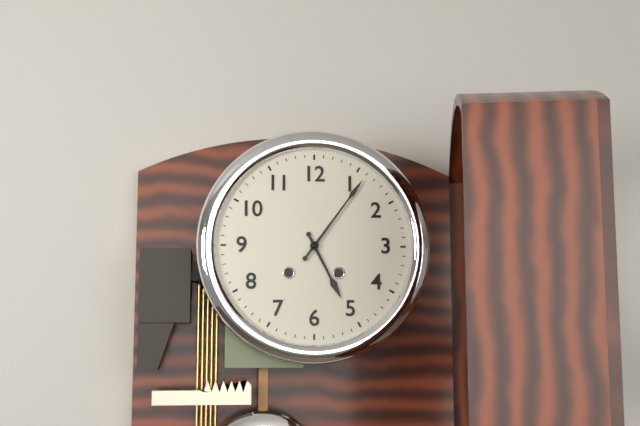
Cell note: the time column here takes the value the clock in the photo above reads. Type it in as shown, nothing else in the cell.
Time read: 5:06
